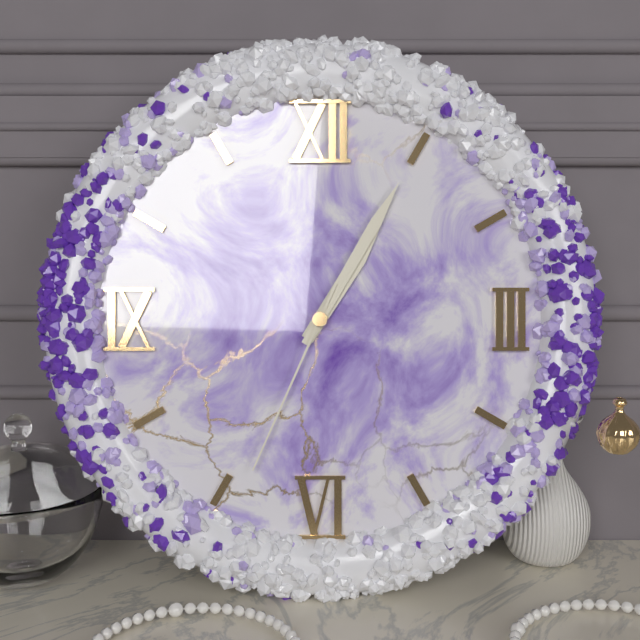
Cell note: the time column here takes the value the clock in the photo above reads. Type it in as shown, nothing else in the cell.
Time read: 1:05:34
